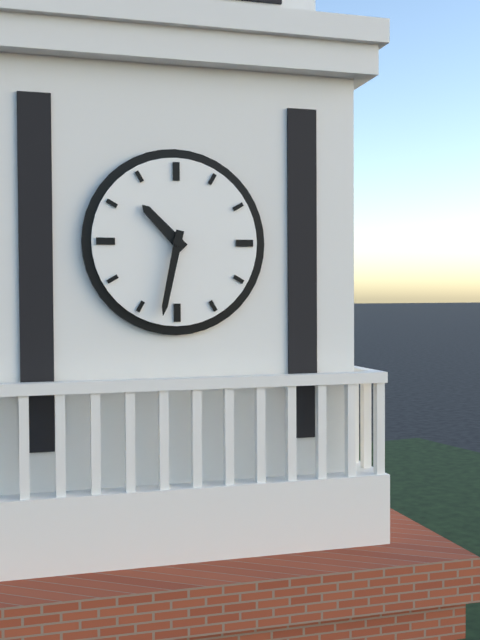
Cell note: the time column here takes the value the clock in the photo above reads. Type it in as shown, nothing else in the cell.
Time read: 10:32
